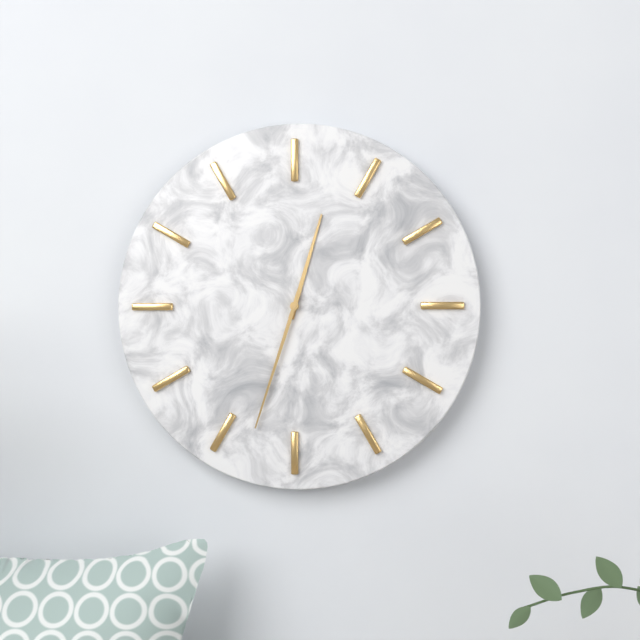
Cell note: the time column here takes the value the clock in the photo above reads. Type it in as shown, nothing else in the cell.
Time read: 12:33
